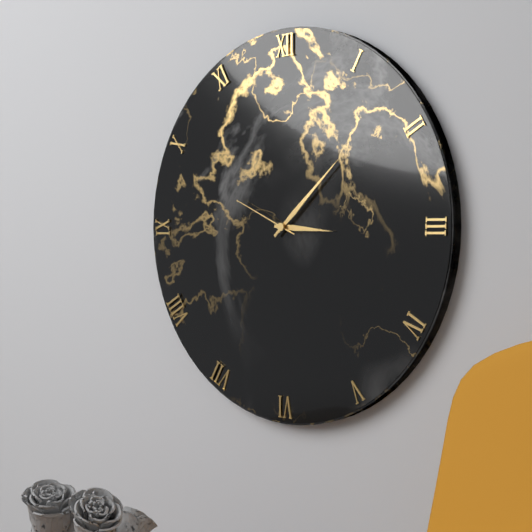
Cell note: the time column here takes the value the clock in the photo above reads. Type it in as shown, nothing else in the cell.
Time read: 3:08:49
